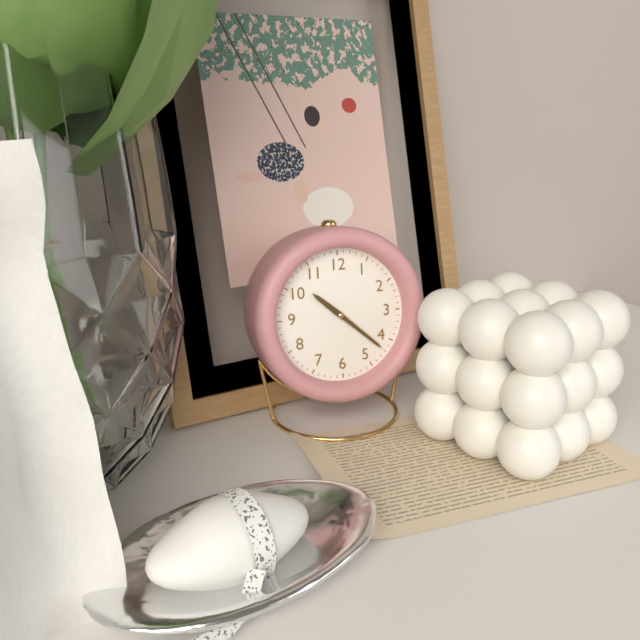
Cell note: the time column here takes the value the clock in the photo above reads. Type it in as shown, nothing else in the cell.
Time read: 10:22
